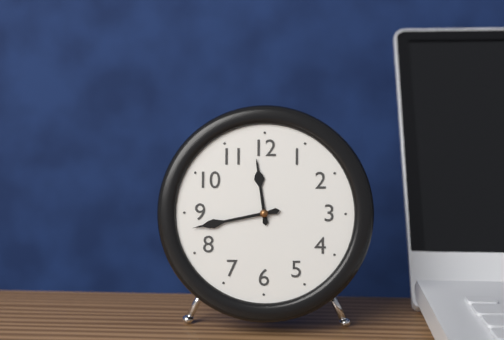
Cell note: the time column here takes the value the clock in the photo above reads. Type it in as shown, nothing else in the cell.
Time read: 11:43
